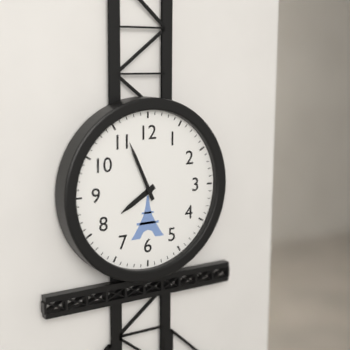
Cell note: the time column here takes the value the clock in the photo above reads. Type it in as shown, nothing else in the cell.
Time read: 7:56
